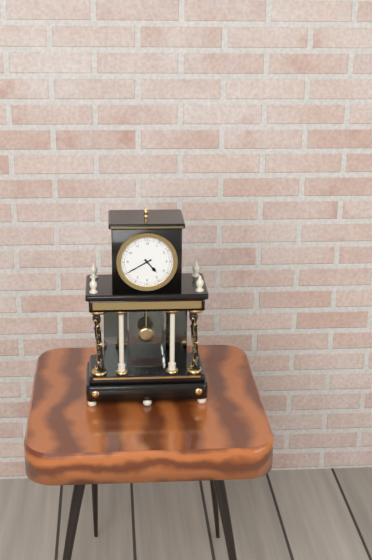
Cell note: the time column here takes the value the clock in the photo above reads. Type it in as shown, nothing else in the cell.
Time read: 4:40
